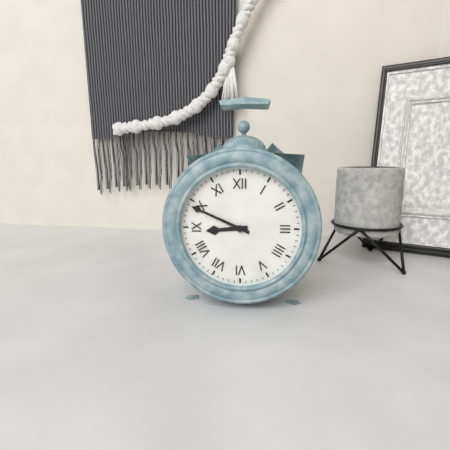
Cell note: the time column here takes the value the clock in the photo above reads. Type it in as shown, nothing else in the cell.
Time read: 8:49
